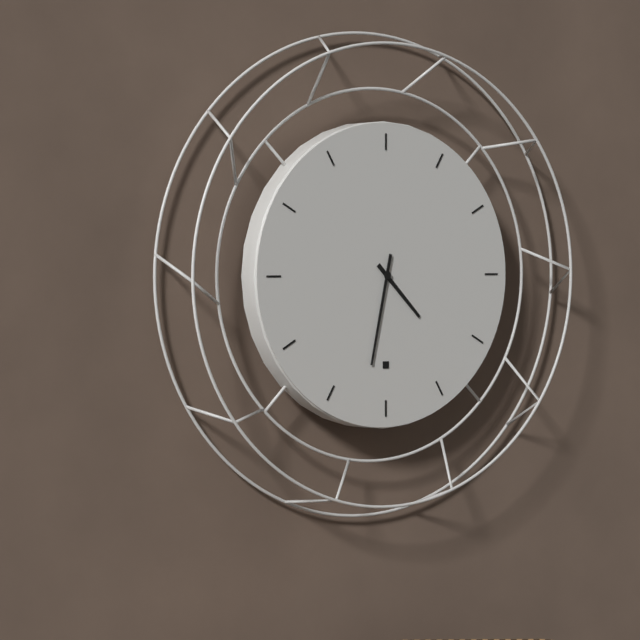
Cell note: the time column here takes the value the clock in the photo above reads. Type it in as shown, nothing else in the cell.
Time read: 4:32
